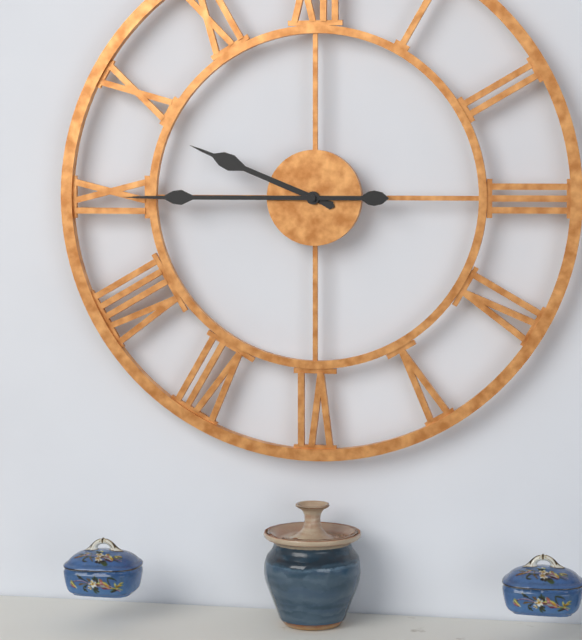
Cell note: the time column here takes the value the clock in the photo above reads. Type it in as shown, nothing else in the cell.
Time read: 9:45
